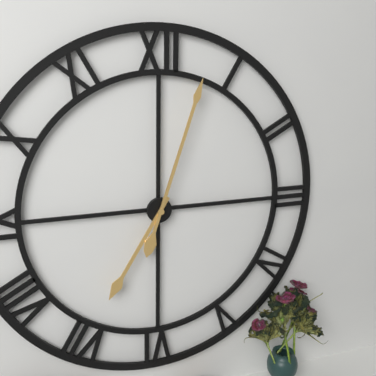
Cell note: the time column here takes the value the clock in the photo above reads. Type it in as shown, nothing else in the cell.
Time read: 7:03
